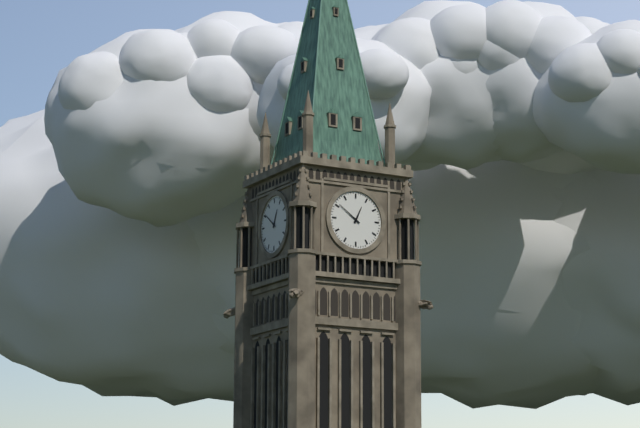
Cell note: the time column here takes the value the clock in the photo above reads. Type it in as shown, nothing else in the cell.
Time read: 12:51
